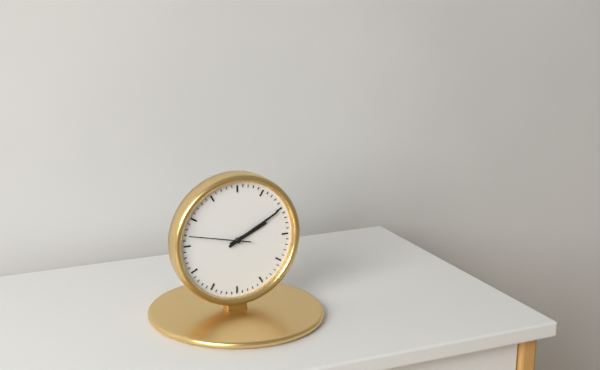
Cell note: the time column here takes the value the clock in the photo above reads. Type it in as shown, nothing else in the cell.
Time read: 2:10:47
